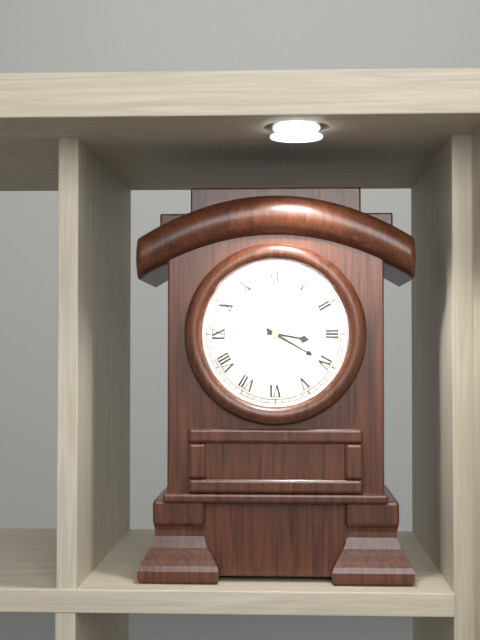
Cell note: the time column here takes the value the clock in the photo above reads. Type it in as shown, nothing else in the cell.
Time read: 3:20
